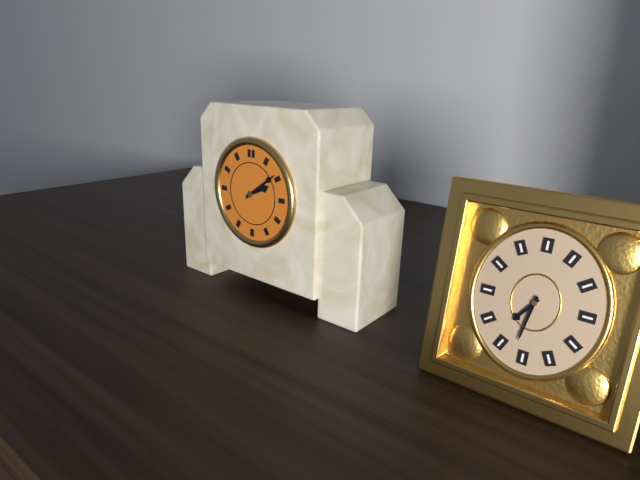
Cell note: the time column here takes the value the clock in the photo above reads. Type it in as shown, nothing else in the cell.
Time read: 2:09
